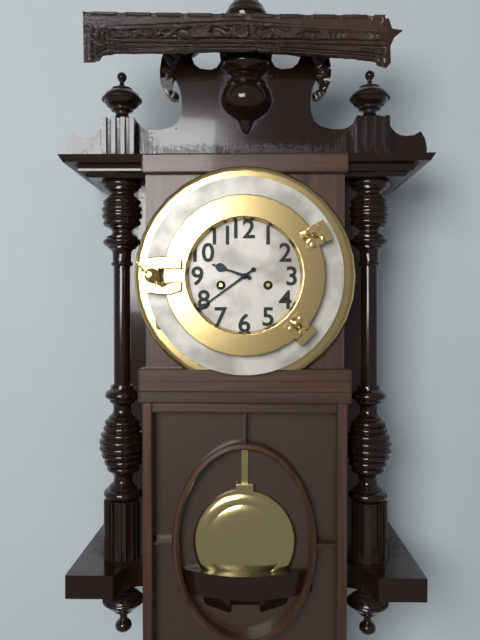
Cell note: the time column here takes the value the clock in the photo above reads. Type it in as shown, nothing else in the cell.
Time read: 9:39
